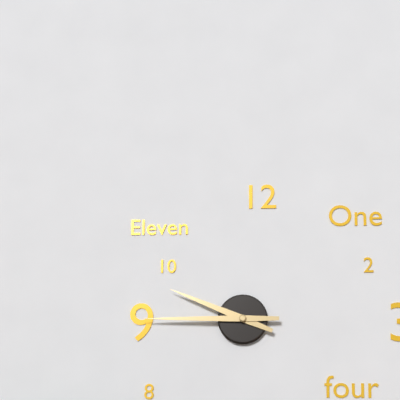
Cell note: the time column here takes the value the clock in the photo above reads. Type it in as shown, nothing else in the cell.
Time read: 9:45
